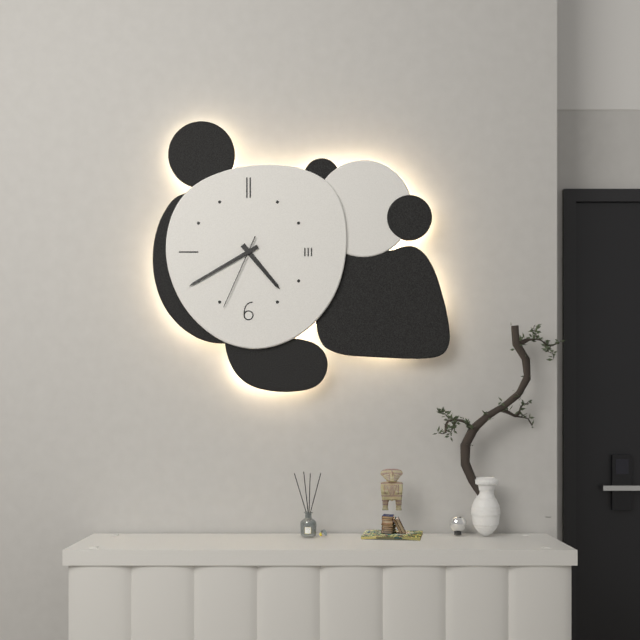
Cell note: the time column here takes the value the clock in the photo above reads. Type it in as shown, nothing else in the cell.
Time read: 4:40:34
